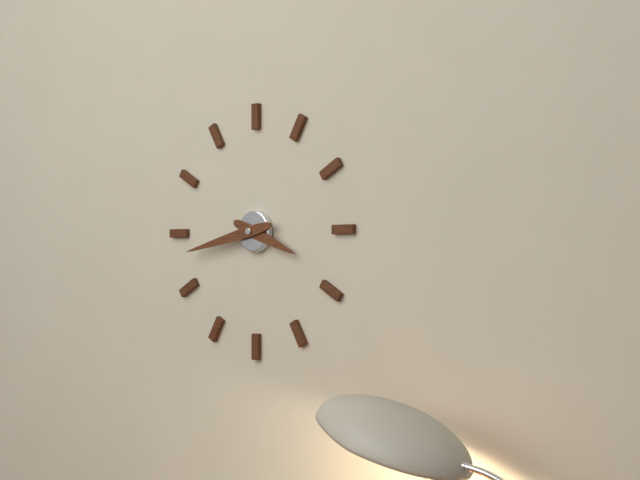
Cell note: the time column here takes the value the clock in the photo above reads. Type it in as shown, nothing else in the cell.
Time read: 3:43
